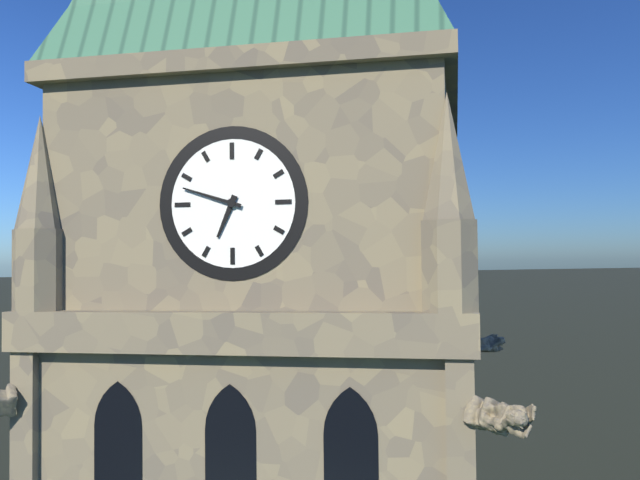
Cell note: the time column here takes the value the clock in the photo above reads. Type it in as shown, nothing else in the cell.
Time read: 6:48
